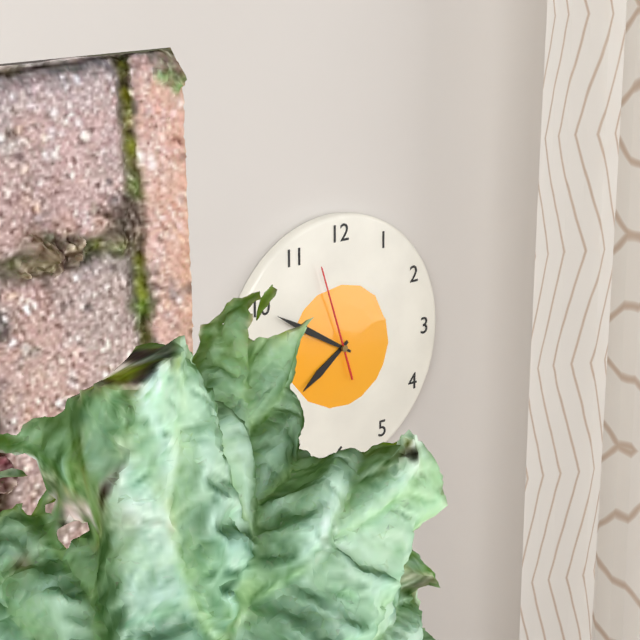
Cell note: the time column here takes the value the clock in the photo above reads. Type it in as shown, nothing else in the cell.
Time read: 7:50:57
